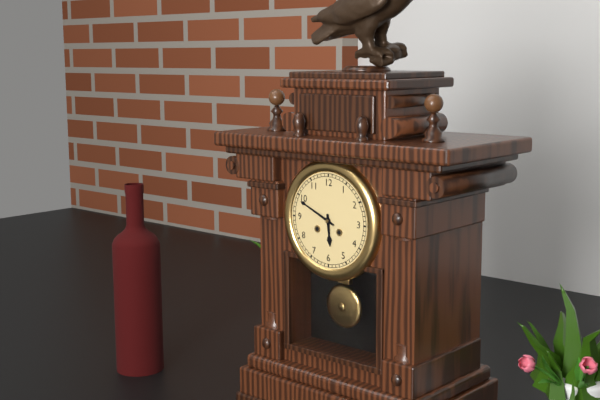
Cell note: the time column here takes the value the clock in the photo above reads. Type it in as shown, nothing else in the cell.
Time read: 5:49
